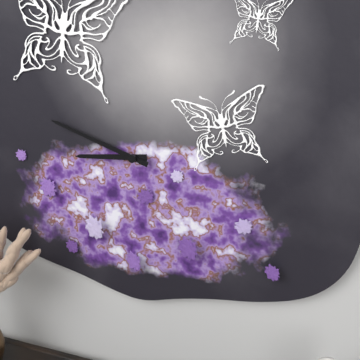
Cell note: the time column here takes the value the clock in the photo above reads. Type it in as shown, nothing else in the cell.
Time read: 8:48
